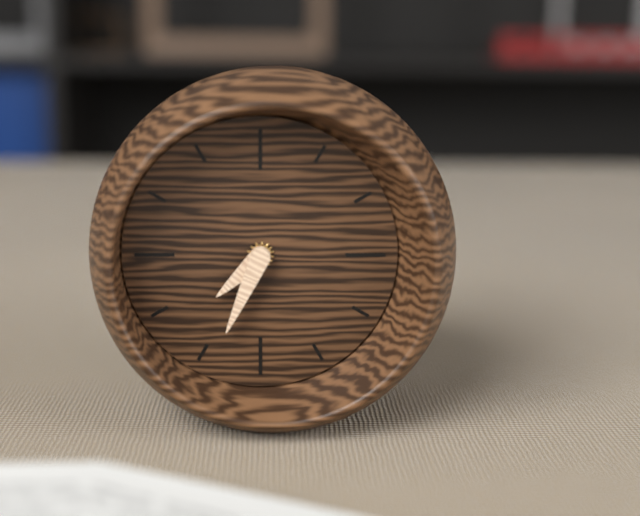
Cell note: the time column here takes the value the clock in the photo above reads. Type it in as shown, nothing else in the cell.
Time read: 7:34
